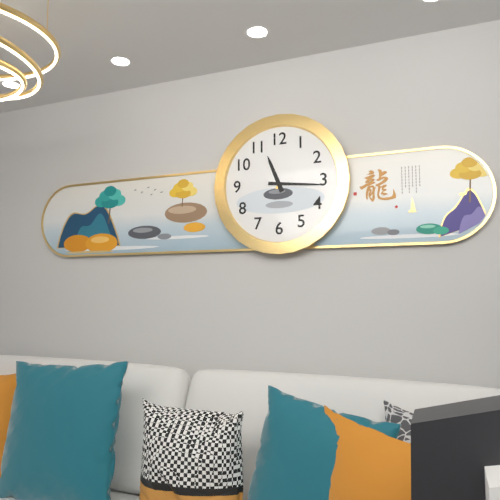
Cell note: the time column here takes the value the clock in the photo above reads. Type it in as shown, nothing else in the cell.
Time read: 11:16
